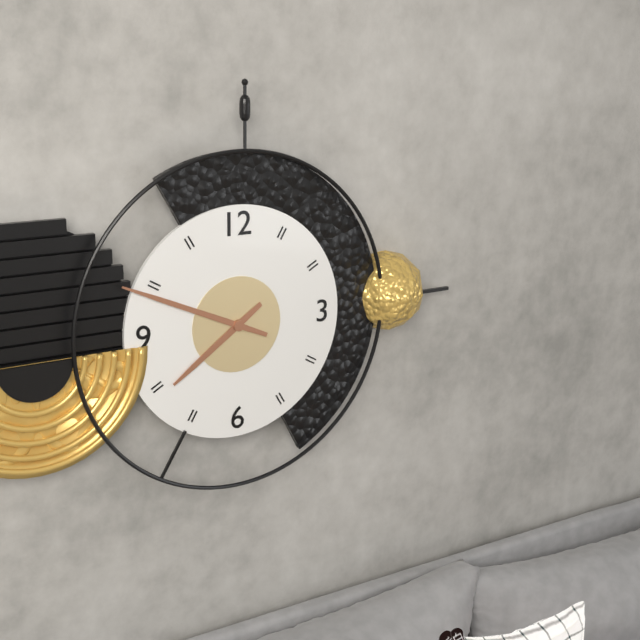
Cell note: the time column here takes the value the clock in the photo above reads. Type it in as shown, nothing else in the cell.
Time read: 7:49
